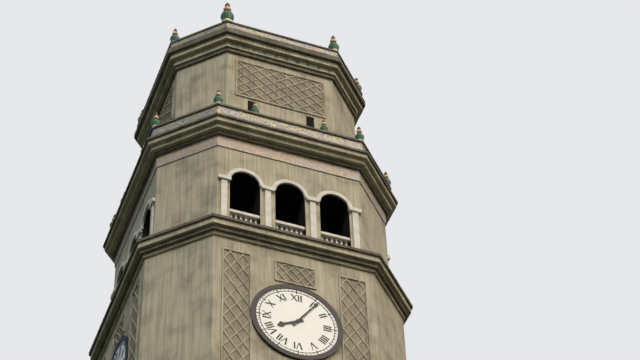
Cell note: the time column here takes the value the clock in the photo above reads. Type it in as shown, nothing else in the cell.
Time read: 8:06
